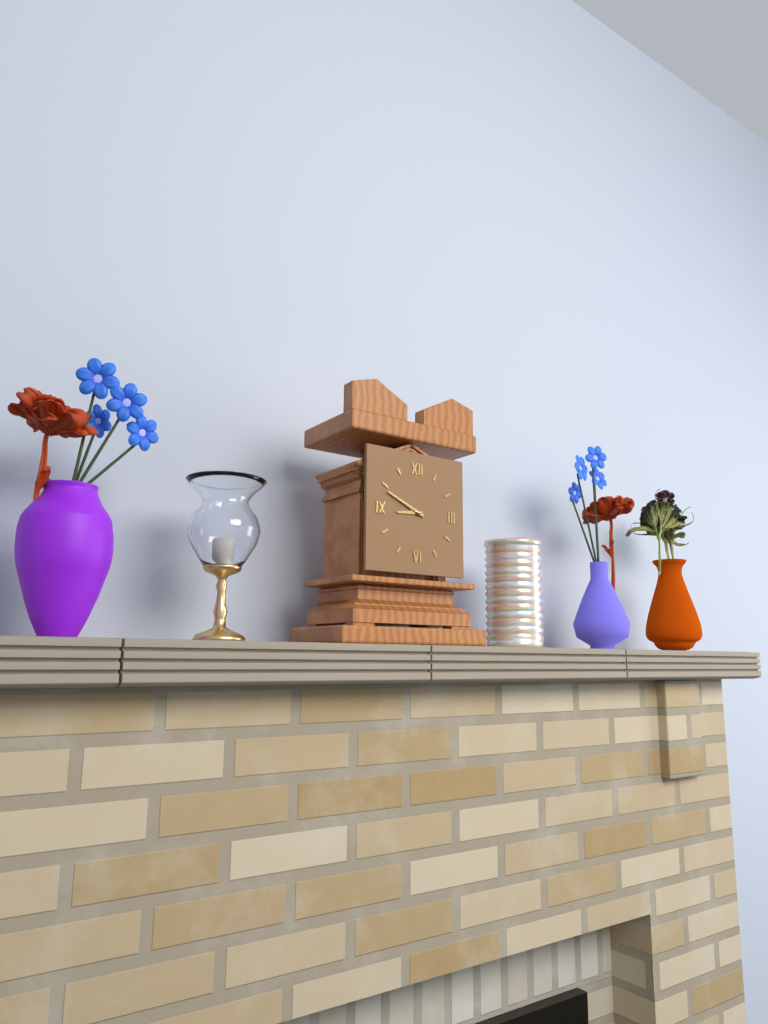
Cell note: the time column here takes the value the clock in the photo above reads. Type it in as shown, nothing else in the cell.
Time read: 8:49
